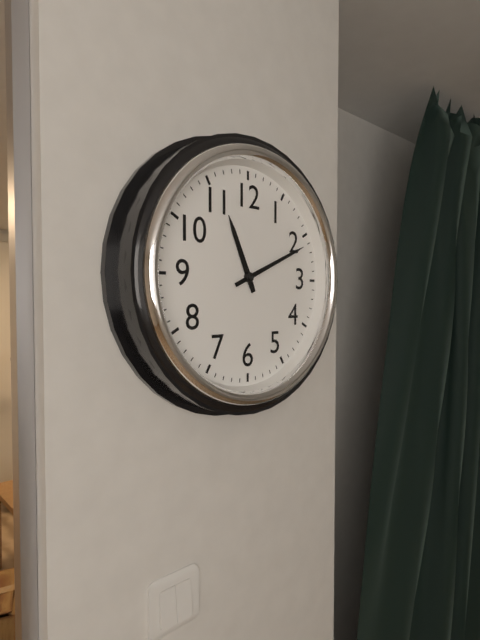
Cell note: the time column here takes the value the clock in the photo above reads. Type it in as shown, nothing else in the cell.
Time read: 11:11
